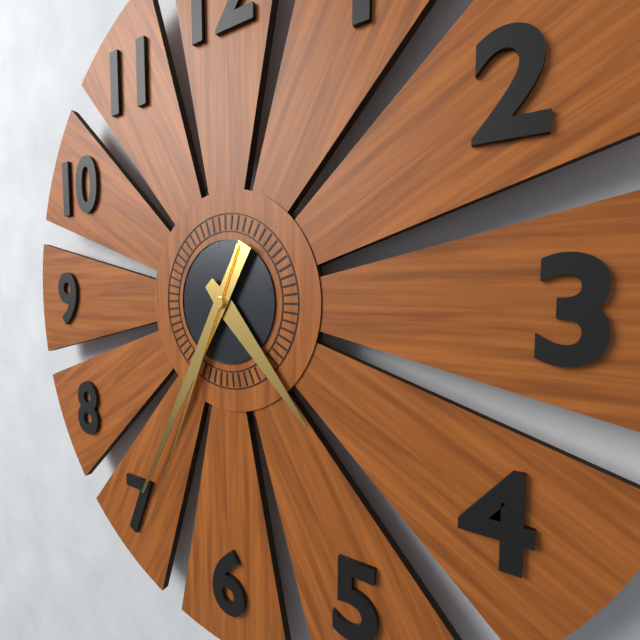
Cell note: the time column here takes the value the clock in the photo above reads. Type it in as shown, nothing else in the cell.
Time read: 4:35:34
